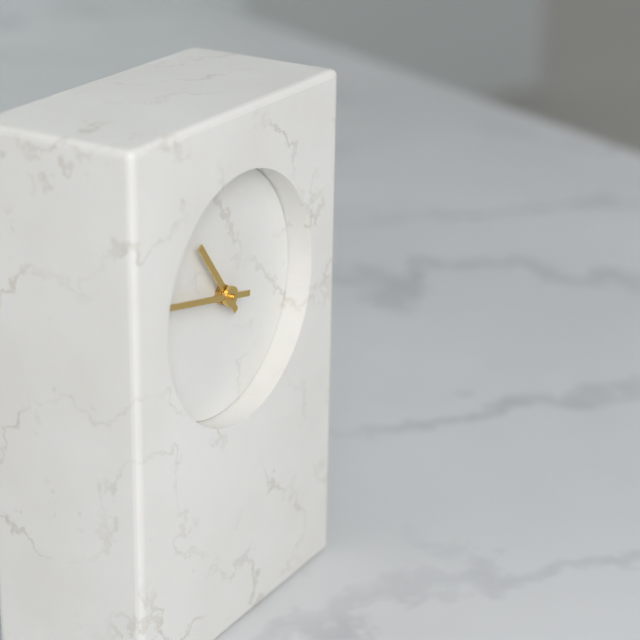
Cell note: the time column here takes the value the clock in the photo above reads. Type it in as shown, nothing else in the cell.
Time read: 10:47
